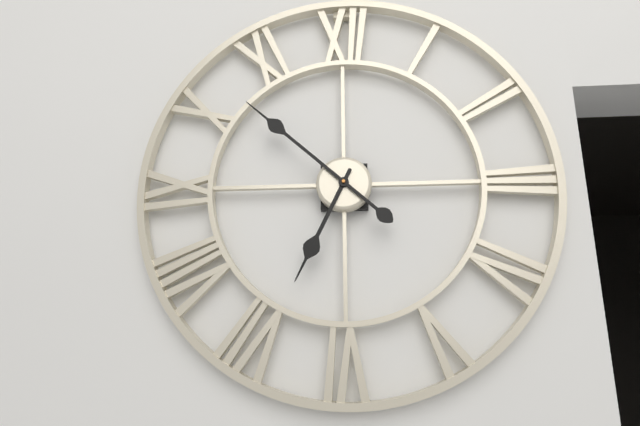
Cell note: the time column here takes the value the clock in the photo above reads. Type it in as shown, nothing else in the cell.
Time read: 6:52
